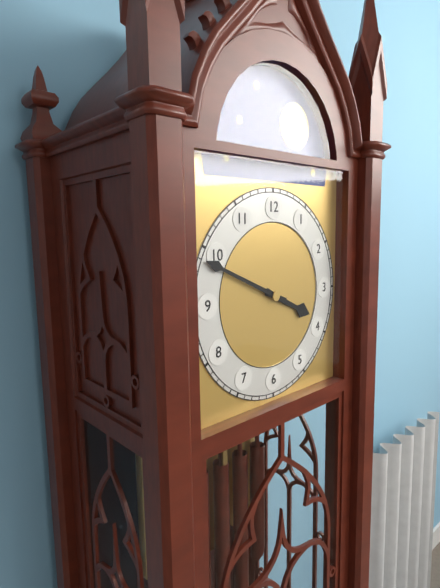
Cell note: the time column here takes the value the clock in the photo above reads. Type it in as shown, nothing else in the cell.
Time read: 3:49
